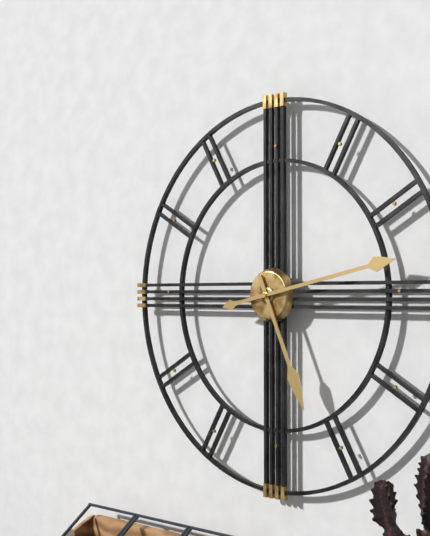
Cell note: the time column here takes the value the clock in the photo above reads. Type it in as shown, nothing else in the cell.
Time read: 5:13
